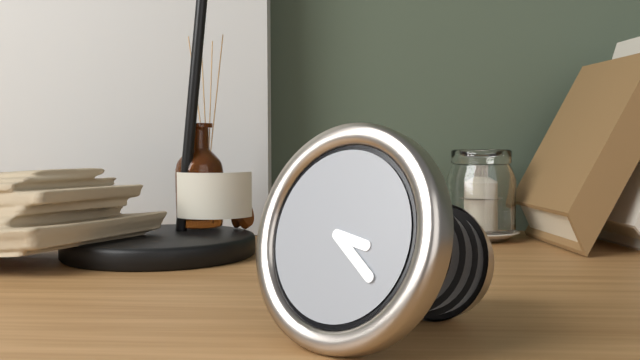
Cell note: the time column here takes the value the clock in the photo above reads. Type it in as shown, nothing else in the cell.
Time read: 3:21
